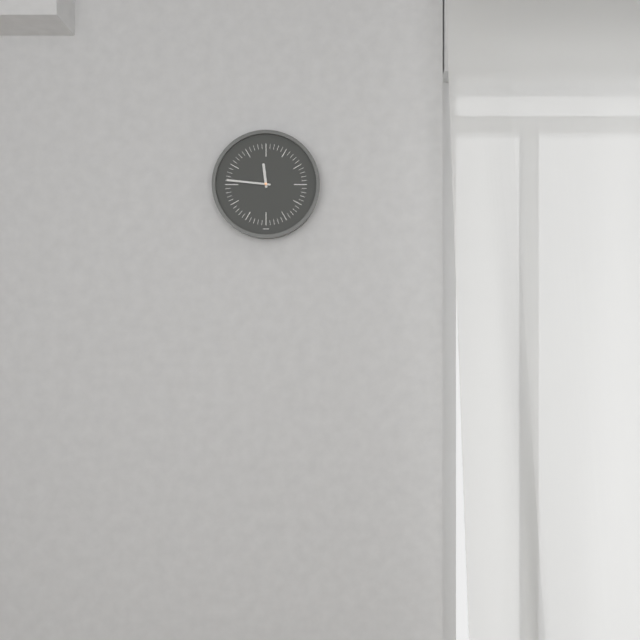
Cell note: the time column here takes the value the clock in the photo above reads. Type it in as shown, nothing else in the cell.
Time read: 11:46
